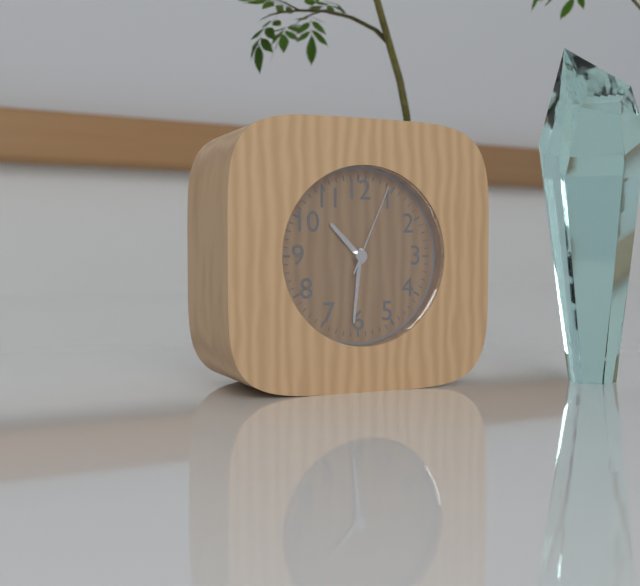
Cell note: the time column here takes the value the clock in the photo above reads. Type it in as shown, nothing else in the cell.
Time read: 10:31:04
